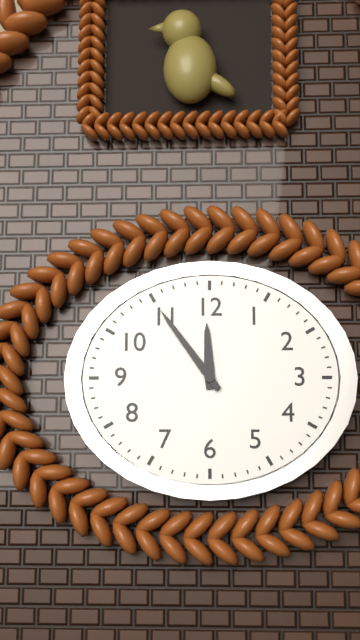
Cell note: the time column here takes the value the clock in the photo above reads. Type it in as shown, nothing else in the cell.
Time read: 11:54
